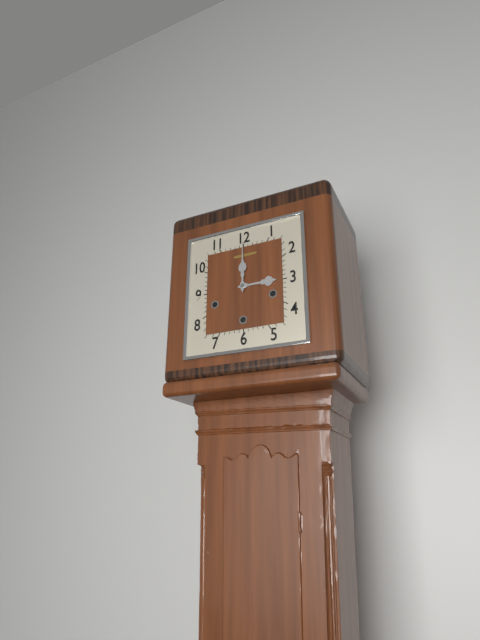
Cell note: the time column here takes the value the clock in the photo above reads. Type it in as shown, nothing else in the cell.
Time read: 3:00
